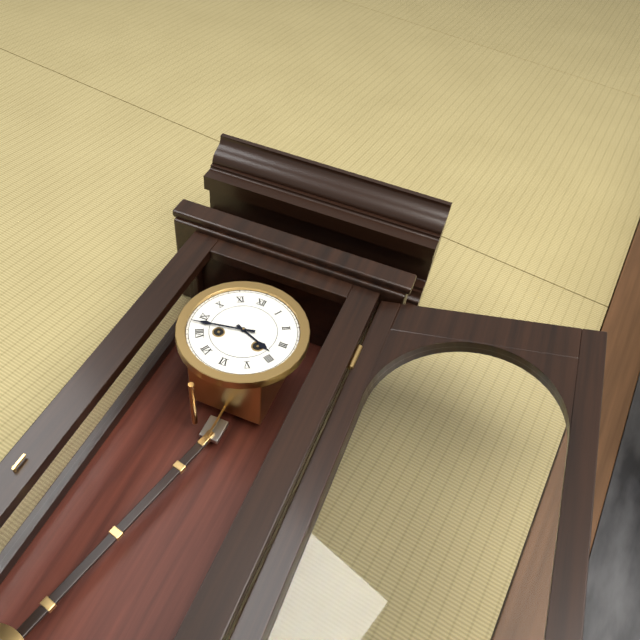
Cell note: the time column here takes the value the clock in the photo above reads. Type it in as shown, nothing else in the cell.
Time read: 3:43
